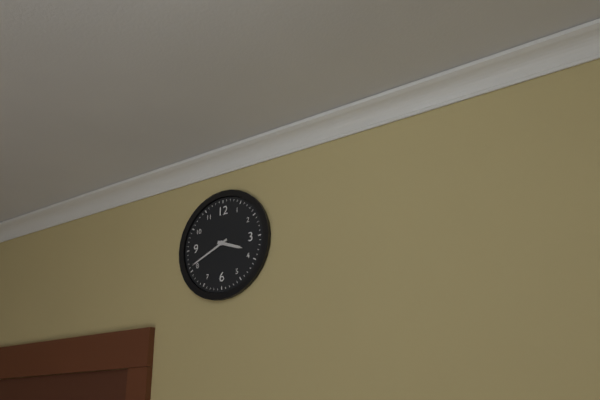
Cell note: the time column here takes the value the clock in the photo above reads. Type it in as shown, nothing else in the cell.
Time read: 3:41
